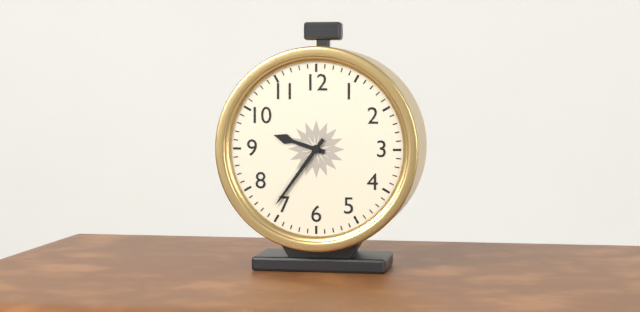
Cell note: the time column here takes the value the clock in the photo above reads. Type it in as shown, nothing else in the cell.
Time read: 9:36
